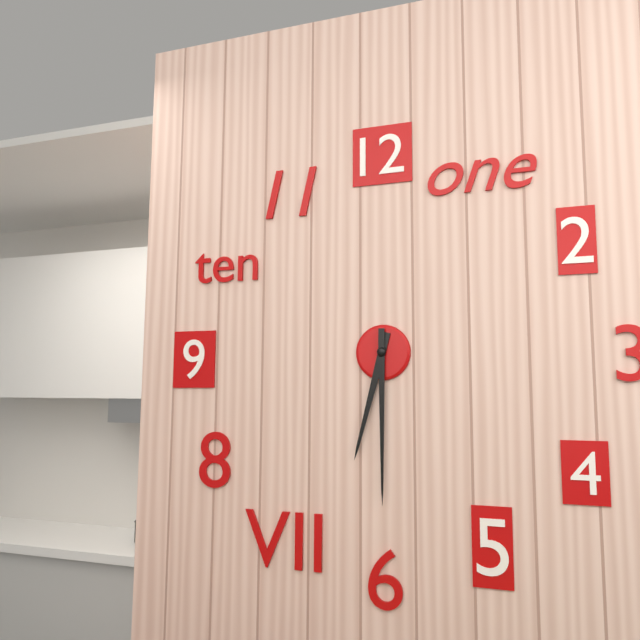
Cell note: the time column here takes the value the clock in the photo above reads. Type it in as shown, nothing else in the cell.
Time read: 6:30
